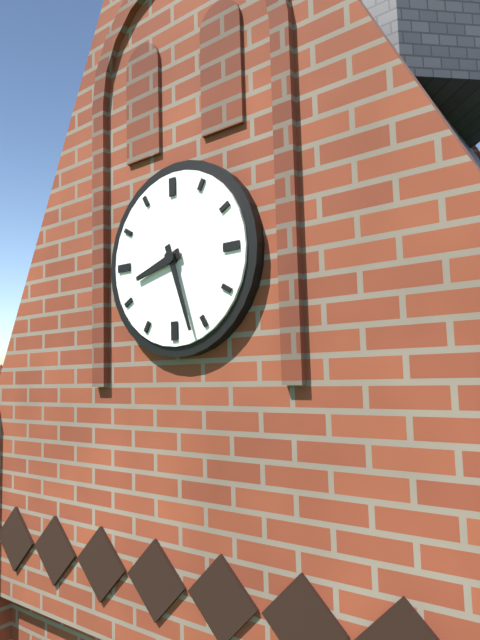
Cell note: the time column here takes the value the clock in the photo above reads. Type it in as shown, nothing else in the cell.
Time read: 8:27
